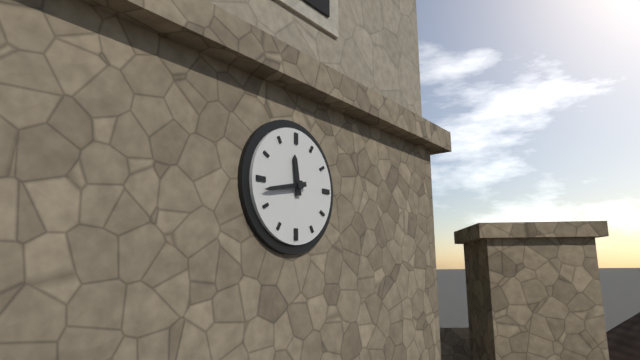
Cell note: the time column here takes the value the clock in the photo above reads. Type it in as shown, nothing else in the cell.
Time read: 11:43
